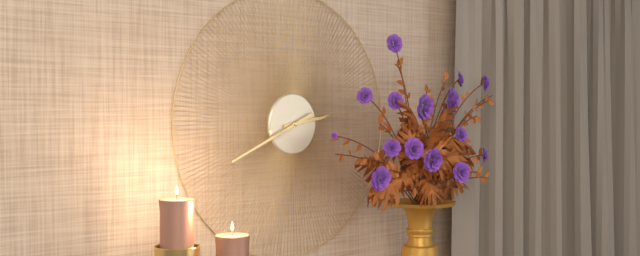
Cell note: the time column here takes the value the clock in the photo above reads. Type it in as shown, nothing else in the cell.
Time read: 2:41
